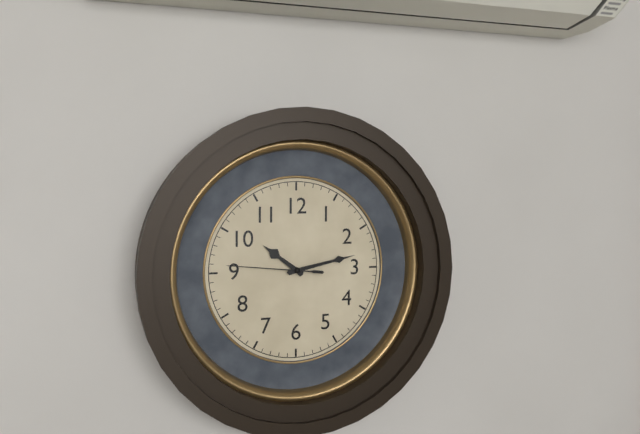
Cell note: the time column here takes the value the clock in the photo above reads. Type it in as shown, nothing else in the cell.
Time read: 10:13:46
